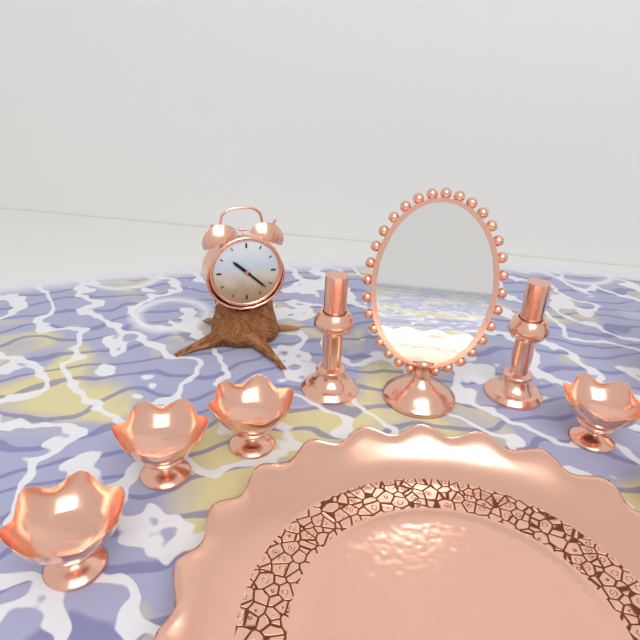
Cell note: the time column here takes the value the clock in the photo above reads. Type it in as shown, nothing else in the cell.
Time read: 10:22
